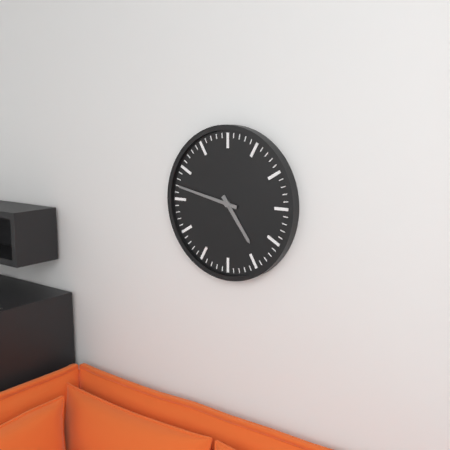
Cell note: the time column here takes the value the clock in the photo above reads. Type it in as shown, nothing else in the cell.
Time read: 4:47
